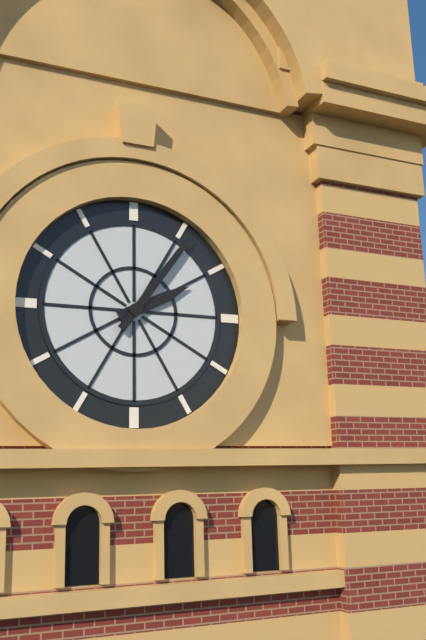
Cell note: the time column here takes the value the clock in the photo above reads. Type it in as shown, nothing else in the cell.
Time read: 2:06
